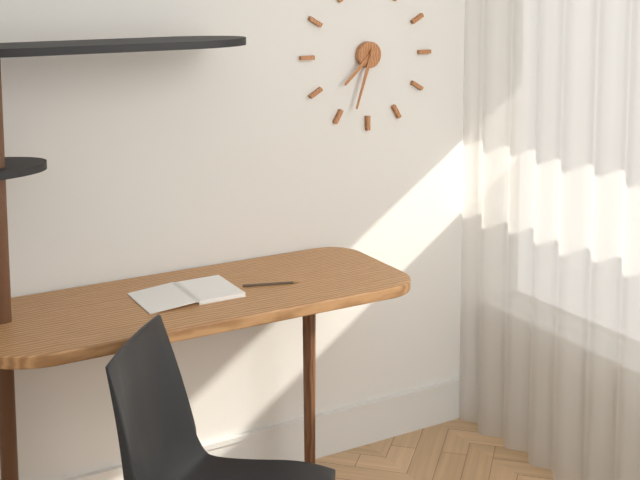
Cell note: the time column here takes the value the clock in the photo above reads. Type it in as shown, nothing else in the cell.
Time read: 7:33
